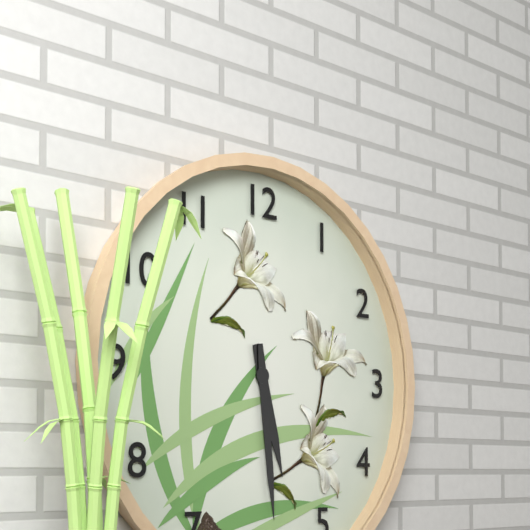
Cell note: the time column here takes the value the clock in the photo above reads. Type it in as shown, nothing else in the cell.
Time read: 5:29
